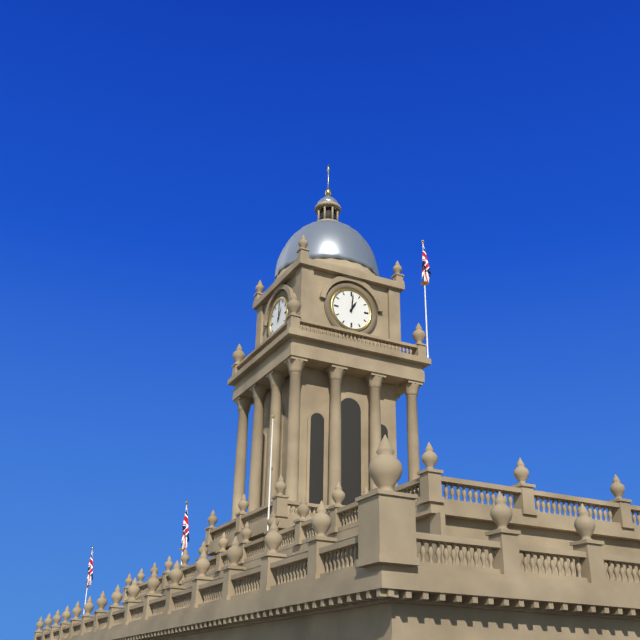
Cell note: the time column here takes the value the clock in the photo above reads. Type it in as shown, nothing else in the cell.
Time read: 1:01
